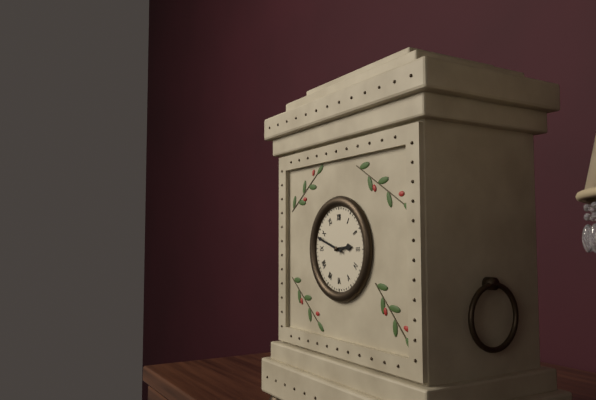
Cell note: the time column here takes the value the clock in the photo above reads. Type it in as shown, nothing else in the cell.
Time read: 2:48
